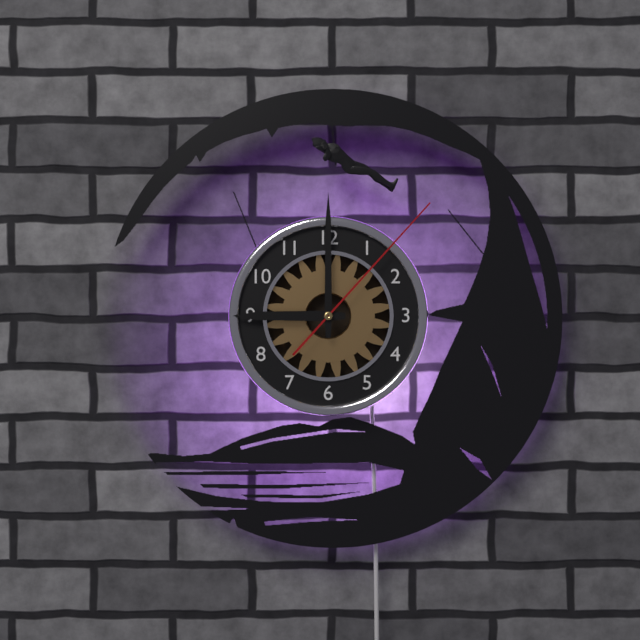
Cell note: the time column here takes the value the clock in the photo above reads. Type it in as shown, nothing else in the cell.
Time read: 9:00:07
